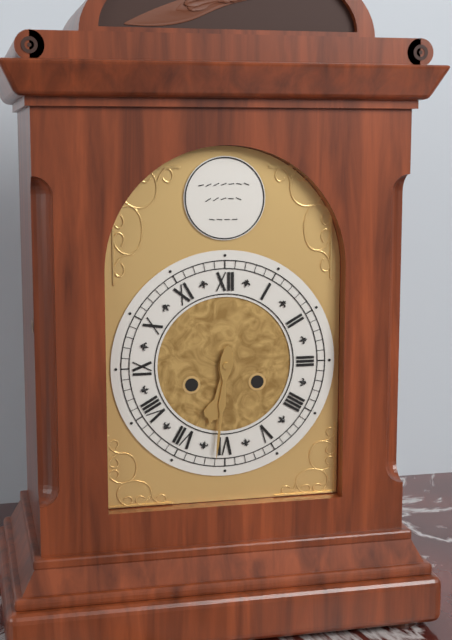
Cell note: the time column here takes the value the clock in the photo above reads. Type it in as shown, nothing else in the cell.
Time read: 6:31
